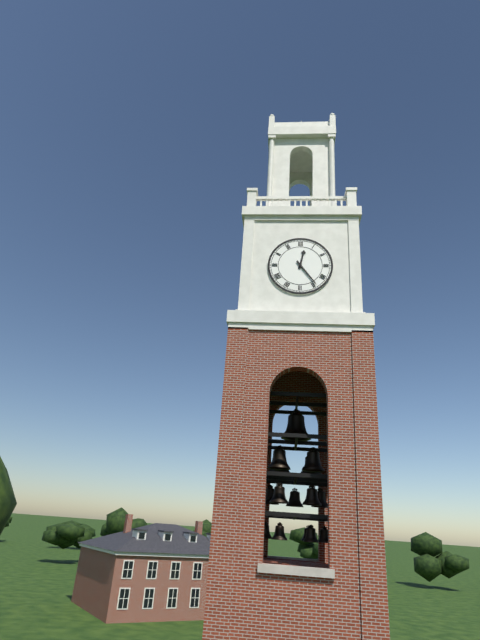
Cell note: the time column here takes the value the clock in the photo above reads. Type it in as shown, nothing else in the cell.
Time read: 12:24
